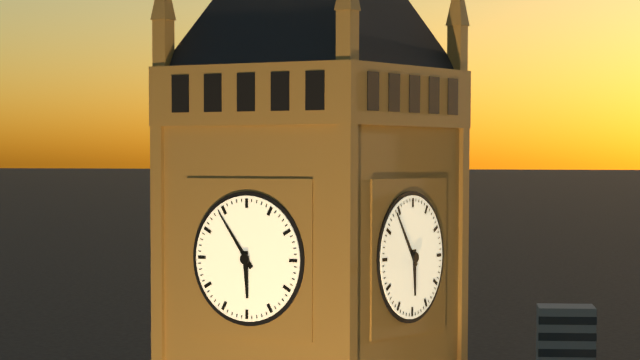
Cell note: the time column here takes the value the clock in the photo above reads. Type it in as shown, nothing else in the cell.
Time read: 5:54
